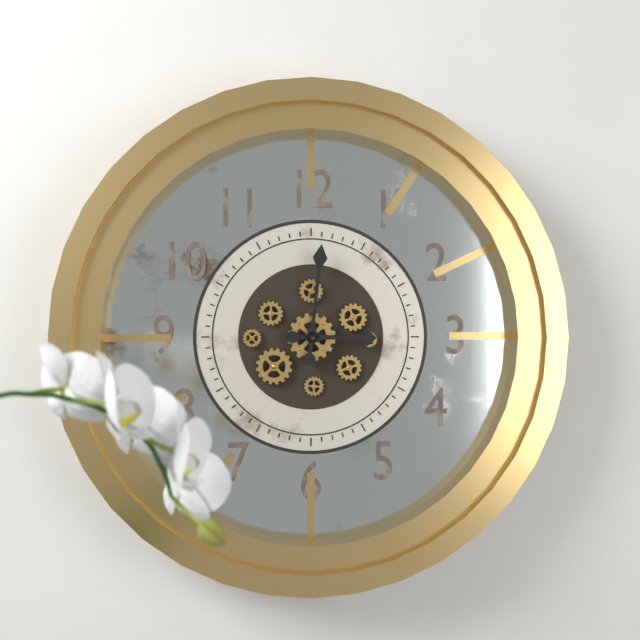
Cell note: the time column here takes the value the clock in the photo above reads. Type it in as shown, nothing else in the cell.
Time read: 3:01
